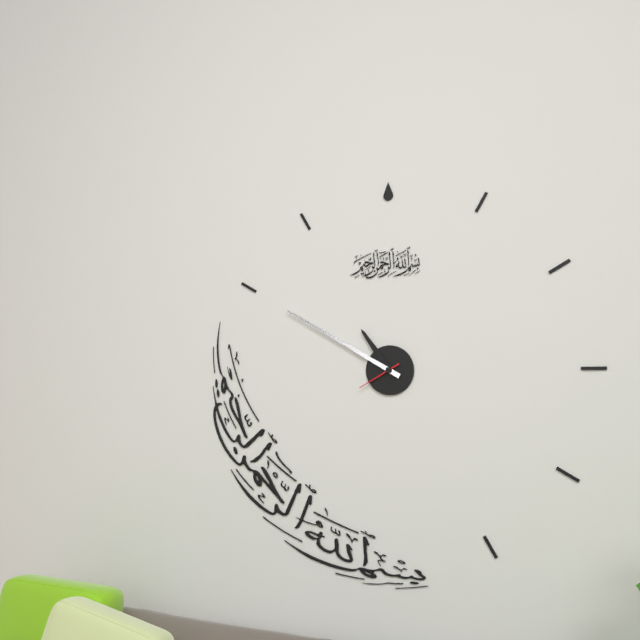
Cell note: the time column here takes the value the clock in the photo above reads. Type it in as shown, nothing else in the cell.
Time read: 10:50
